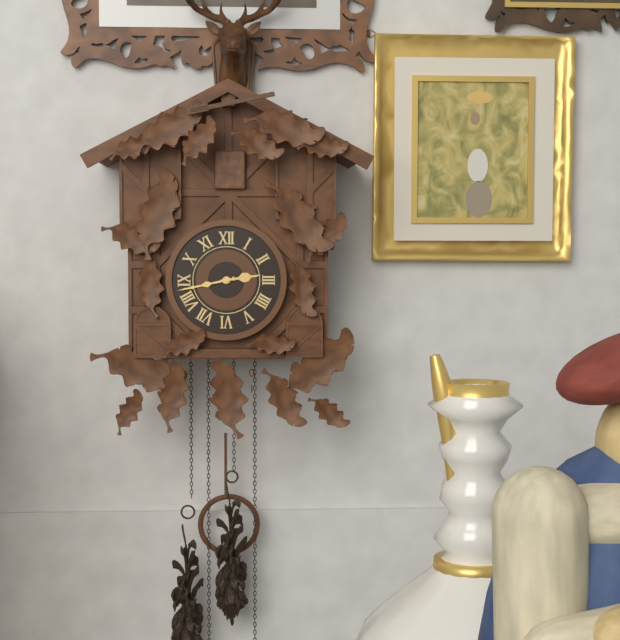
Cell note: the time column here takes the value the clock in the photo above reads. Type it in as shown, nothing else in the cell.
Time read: 2:43
